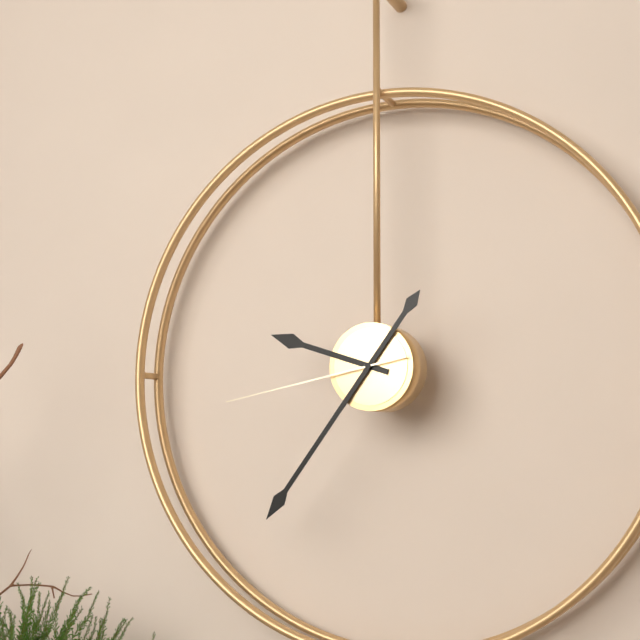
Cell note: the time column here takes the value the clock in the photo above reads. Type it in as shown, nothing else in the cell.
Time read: 9:36:43
